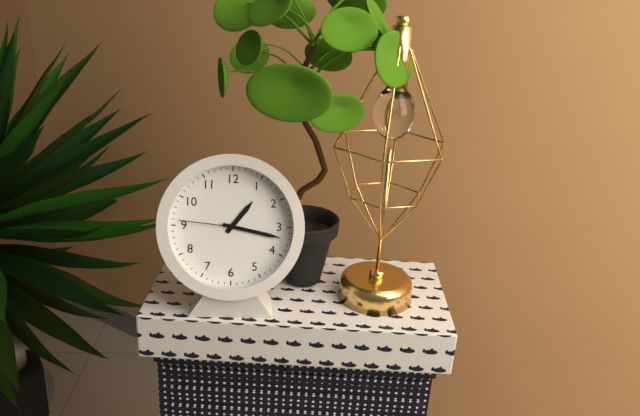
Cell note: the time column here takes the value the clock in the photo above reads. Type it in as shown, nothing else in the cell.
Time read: 1:17:46
